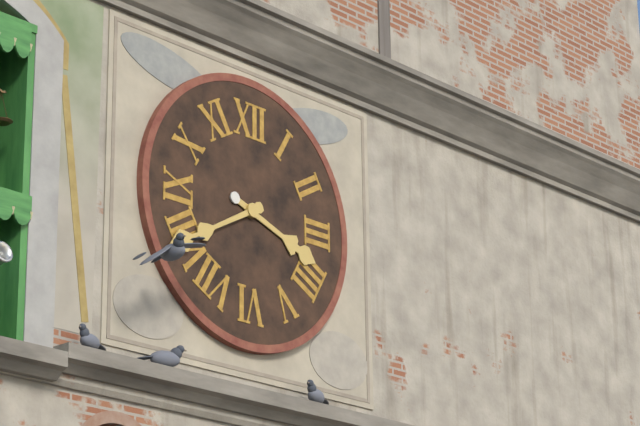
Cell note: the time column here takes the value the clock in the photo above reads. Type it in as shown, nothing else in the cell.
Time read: 3:40
